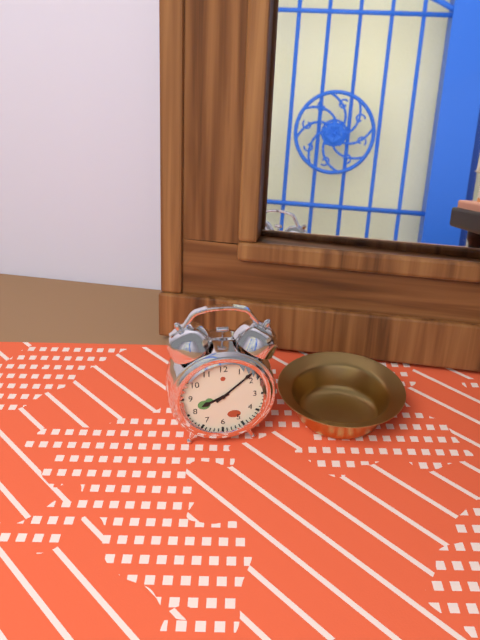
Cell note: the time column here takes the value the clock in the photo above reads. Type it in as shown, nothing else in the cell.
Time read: 8:08
